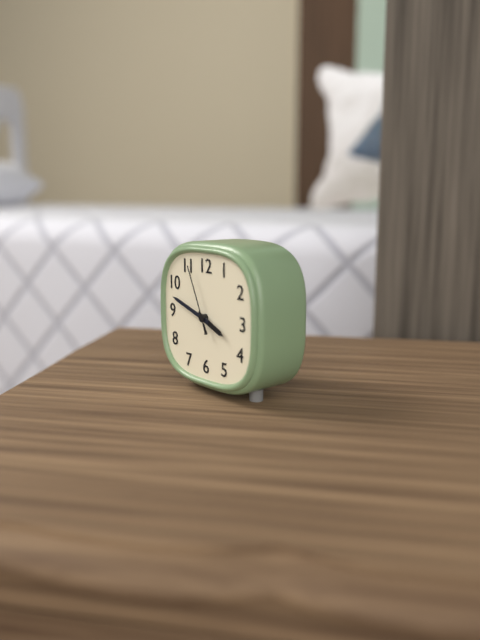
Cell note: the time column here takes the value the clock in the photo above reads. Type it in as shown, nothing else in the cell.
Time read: 3:48:56
